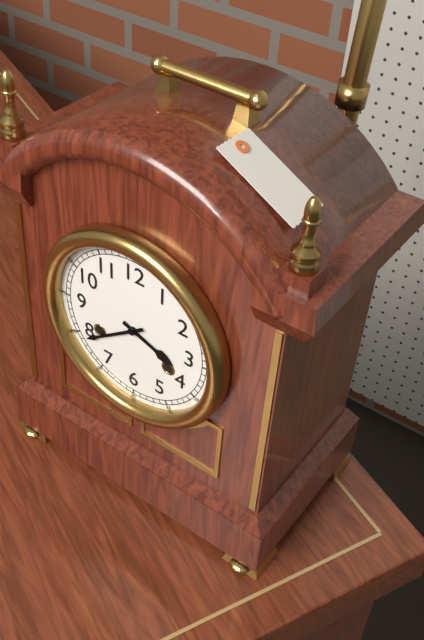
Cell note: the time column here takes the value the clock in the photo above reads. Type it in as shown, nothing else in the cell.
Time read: 3:39
